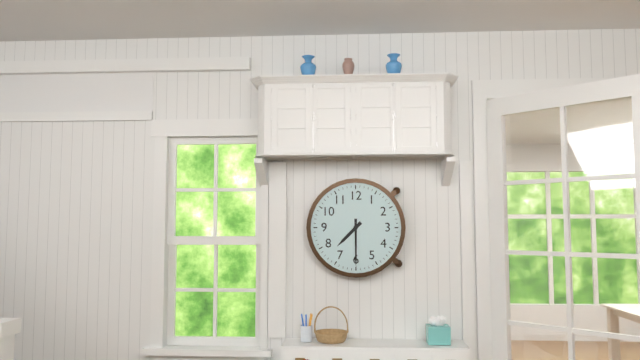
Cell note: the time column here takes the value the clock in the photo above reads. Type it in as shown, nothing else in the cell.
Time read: 7:30
